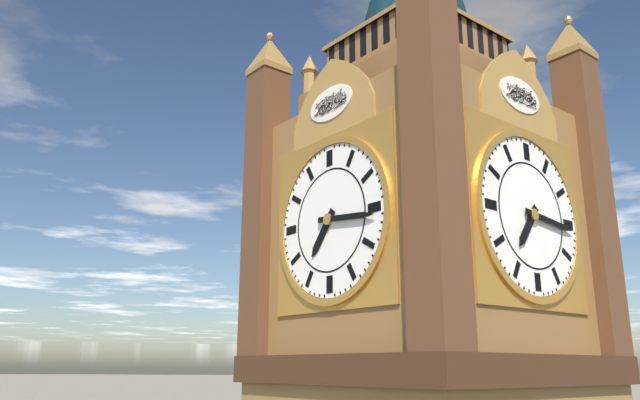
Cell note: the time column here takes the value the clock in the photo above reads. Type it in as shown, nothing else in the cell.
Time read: 7:16
